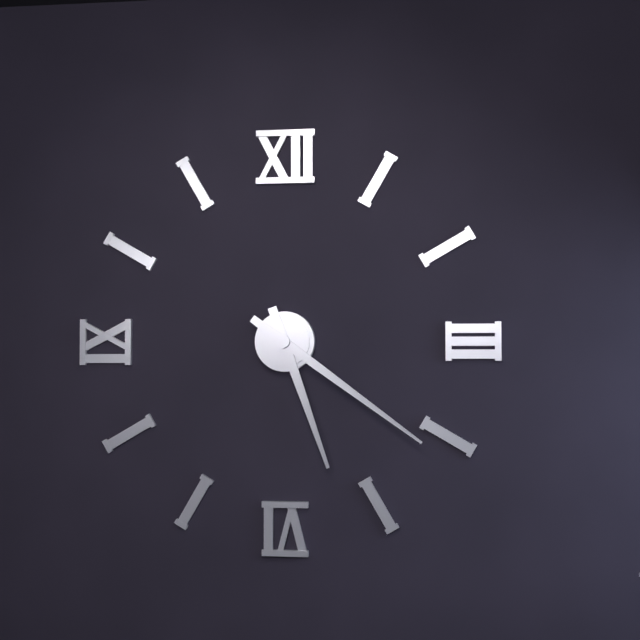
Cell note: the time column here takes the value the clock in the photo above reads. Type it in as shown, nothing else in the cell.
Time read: 5:21
